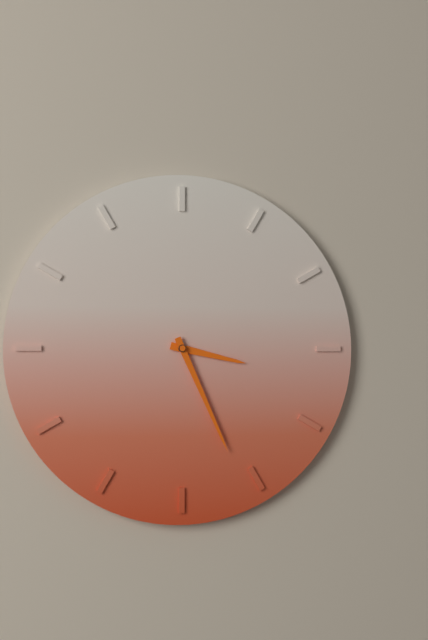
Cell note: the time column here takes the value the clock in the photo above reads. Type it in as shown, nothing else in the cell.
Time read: 3:26
